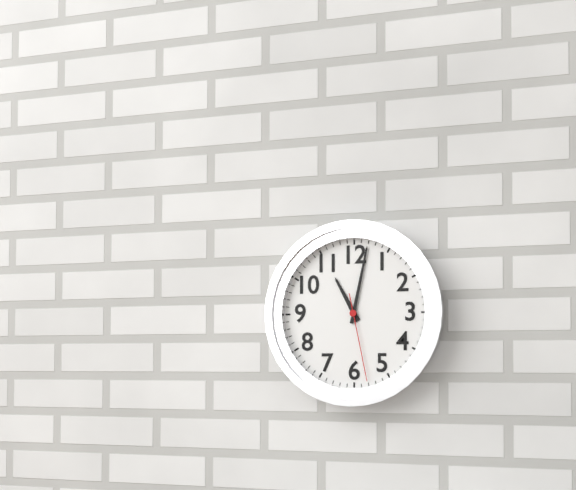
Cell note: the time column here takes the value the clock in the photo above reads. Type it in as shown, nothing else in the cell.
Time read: 11:02:28
